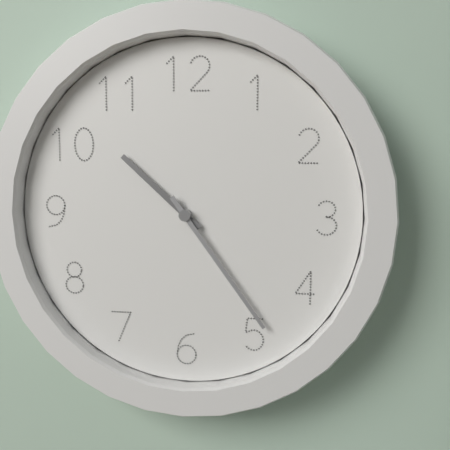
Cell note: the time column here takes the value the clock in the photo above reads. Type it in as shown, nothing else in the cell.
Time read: 10:24
